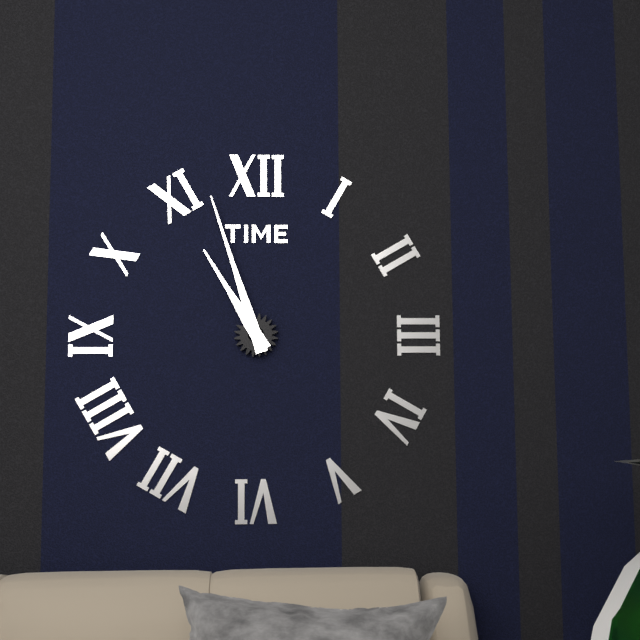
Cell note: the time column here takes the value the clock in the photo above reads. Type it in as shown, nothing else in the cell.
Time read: 10:57
